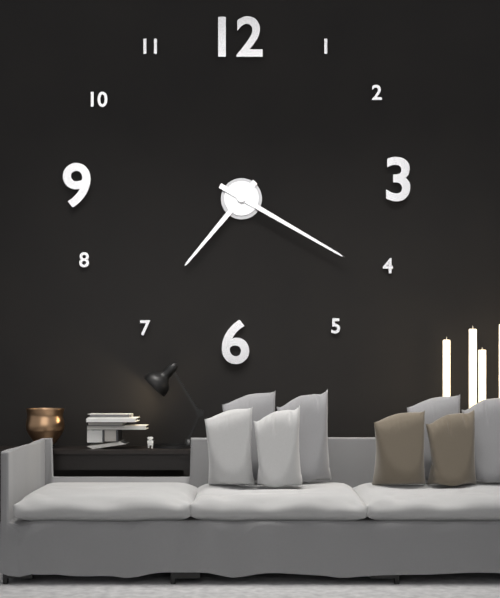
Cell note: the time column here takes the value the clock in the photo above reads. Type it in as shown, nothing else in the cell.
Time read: 7:20
